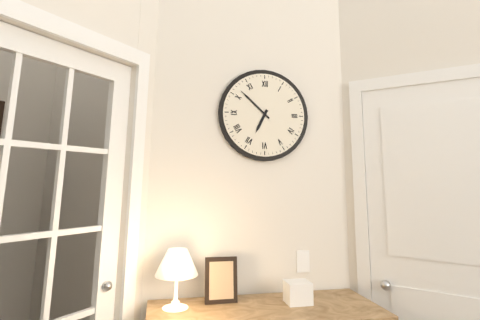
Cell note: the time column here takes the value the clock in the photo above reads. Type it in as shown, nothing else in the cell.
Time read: 6:52
